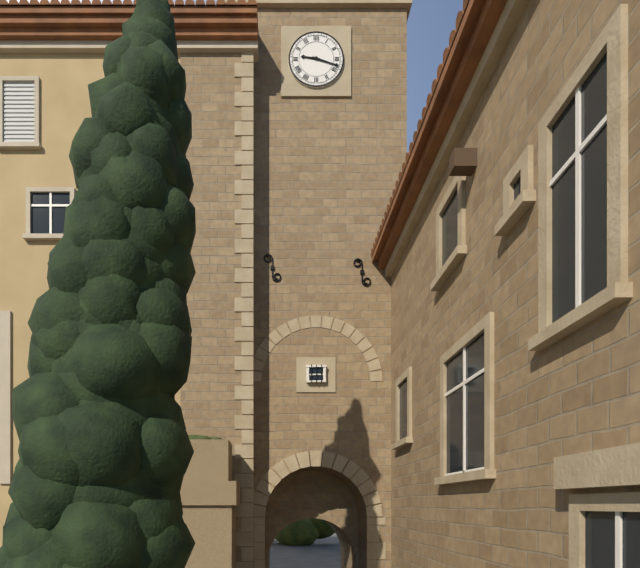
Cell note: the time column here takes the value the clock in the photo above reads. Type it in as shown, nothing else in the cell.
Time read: 9:18
